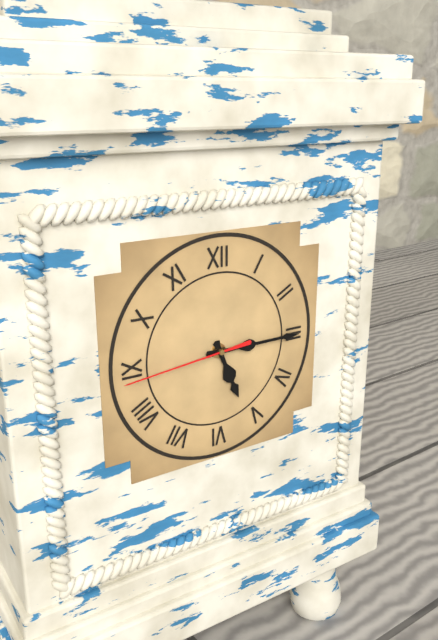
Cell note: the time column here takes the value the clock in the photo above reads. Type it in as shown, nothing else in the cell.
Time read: 5:15:44
